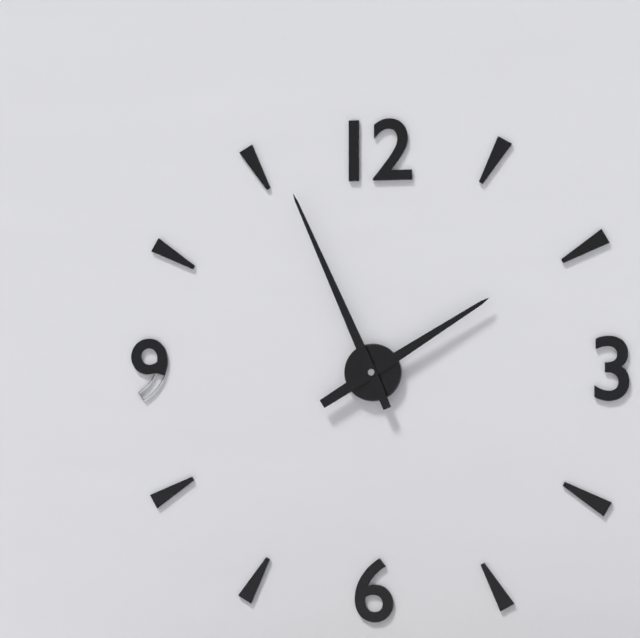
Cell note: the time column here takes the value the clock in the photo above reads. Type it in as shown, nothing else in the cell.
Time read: 1:56
